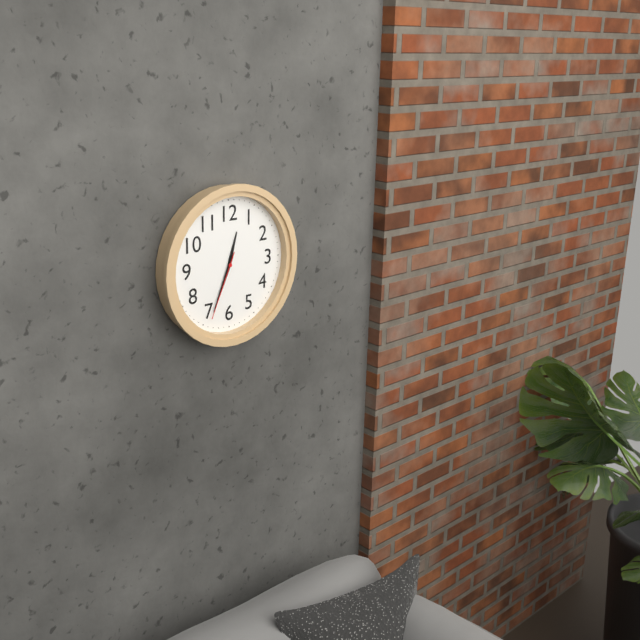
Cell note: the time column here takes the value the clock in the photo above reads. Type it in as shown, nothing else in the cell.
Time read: 12:34:34
